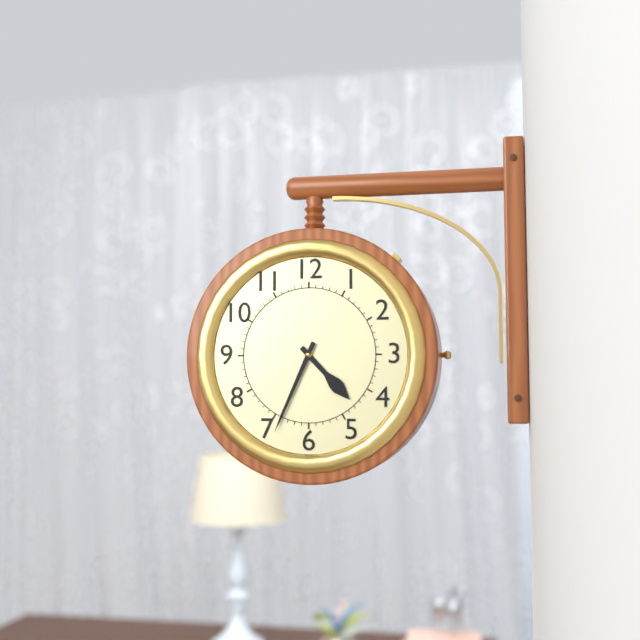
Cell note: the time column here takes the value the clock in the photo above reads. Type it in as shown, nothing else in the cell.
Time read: 4:34
